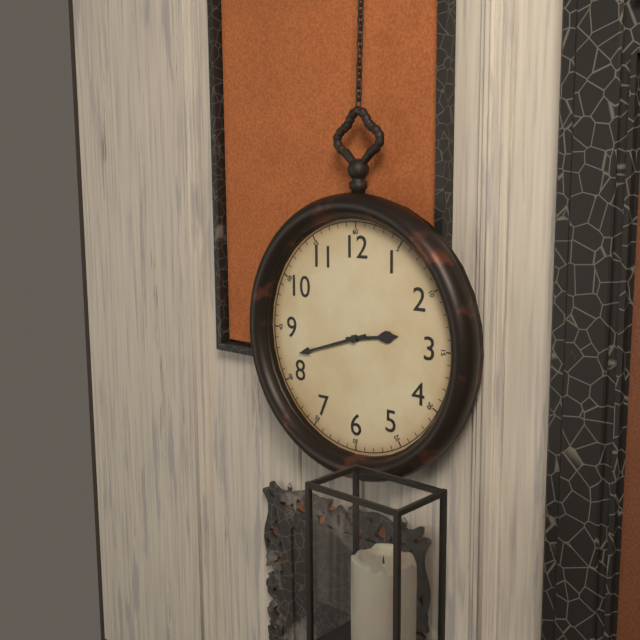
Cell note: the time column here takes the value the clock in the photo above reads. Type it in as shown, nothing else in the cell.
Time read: 2:42
